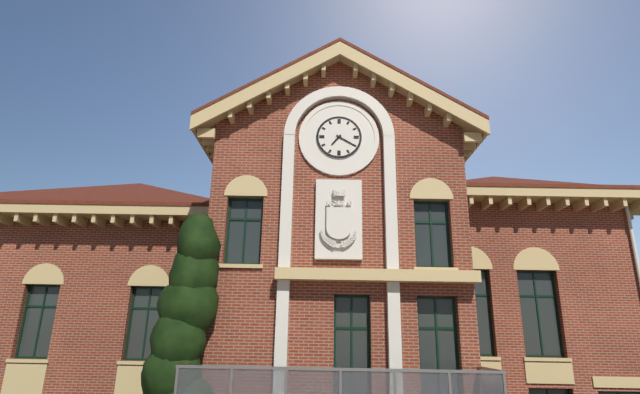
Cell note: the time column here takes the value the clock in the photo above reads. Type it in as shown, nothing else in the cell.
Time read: 7:20
